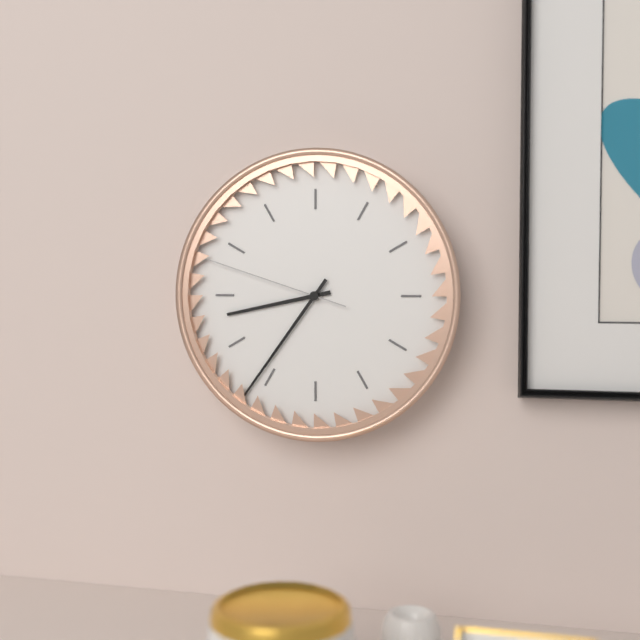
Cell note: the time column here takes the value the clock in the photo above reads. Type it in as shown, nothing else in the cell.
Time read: 8:36:48
